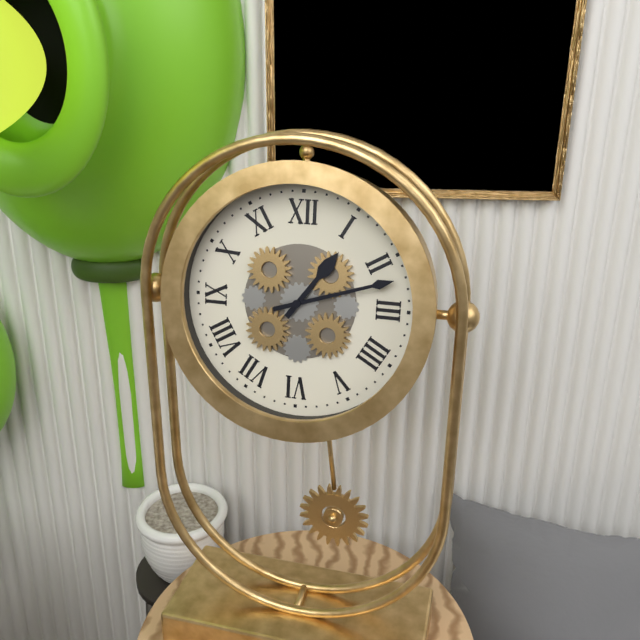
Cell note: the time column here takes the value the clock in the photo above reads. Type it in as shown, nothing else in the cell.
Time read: 1:12
